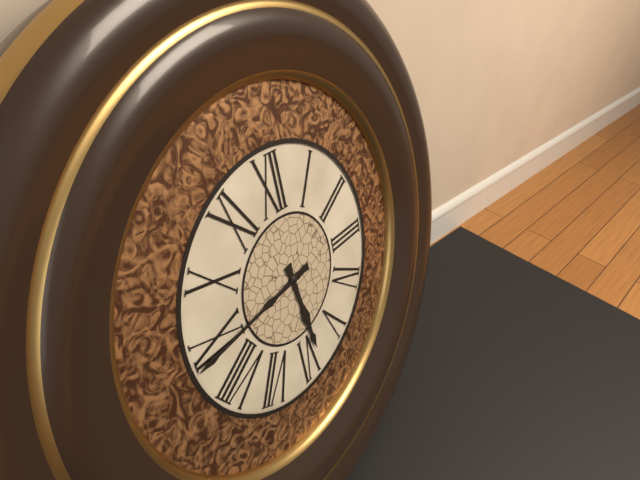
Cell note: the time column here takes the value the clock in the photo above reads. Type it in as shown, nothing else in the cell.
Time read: 5:44
